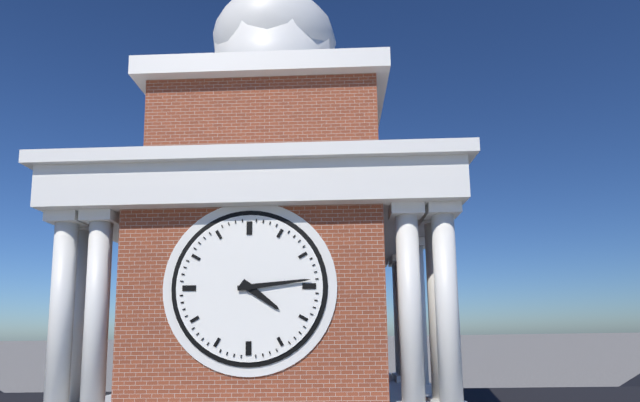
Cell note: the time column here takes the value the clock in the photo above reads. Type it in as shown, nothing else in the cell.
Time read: 4:14
